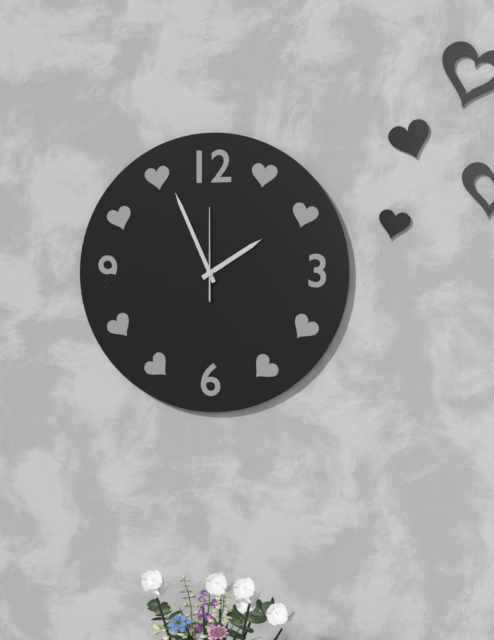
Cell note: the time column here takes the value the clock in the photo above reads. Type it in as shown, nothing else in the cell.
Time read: 1:56:00
